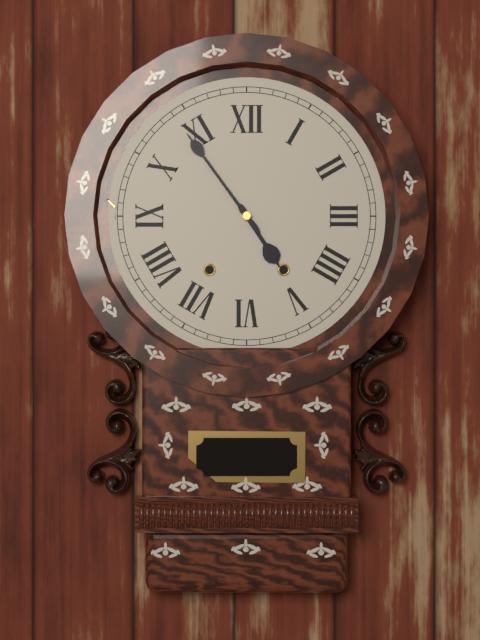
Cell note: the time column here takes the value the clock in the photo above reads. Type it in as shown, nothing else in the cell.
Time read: 4:54
